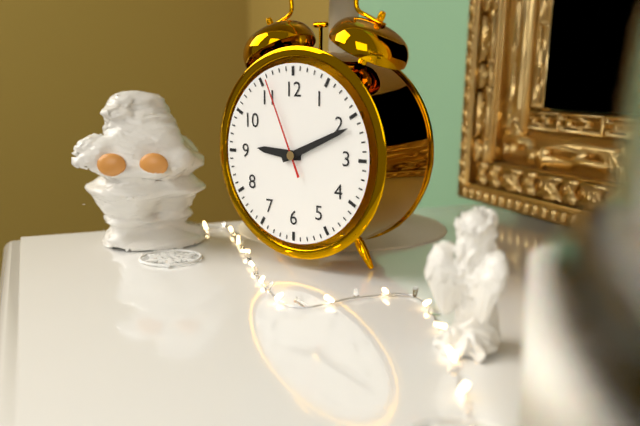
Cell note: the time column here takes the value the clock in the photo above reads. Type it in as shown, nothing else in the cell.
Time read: 9:11:56
